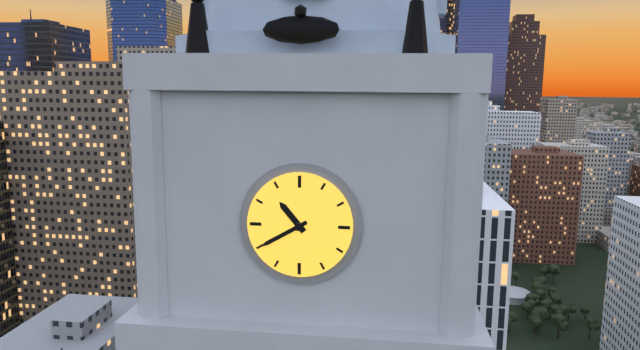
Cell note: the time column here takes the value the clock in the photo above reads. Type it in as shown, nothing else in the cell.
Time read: 10:40
